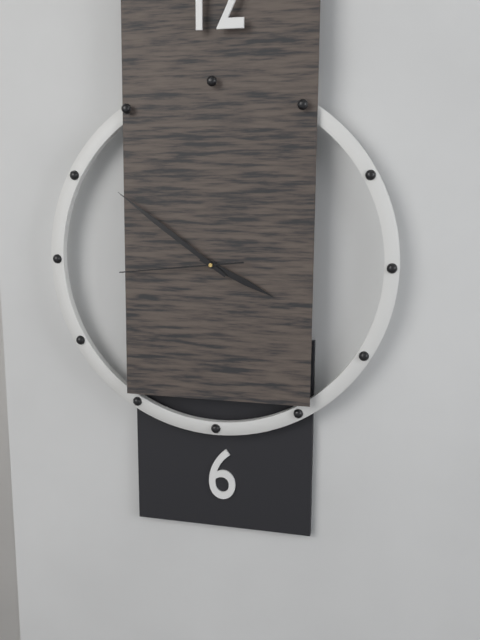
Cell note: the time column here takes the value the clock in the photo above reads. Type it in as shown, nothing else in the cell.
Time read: 3:51:44
